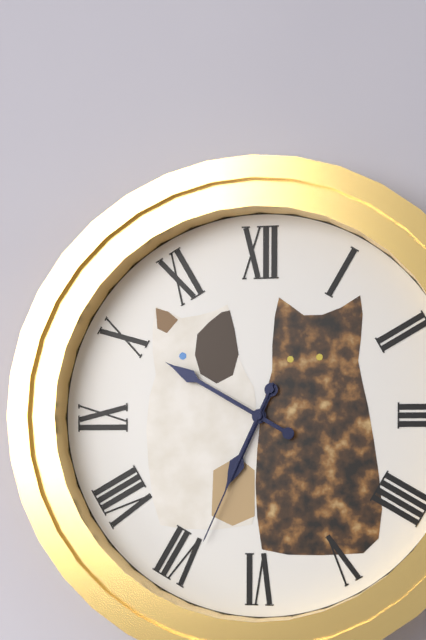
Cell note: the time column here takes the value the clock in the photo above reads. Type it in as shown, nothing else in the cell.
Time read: 6:50:34
